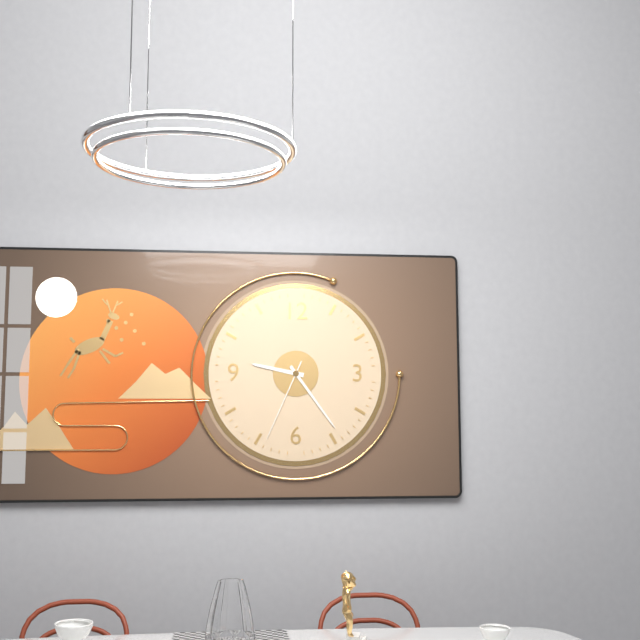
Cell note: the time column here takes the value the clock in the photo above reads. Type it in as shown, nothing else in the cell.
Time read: 9:24:34
